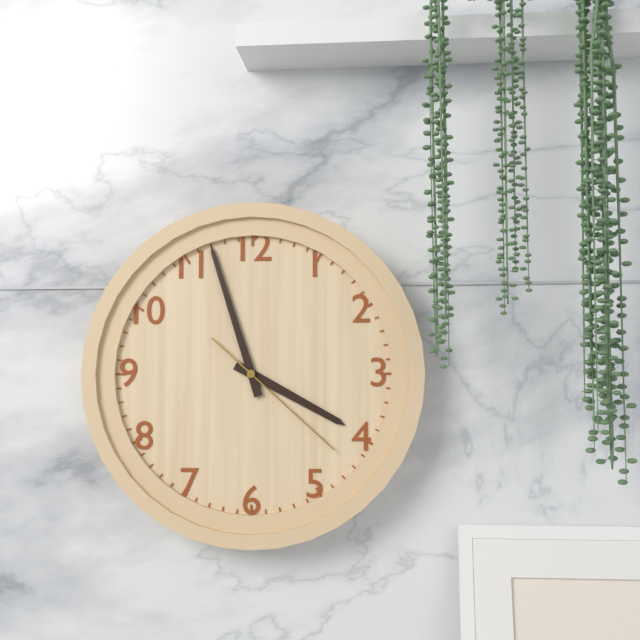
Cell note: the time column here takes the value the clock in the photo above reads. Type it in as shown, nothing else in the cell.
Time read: 3:57:22
